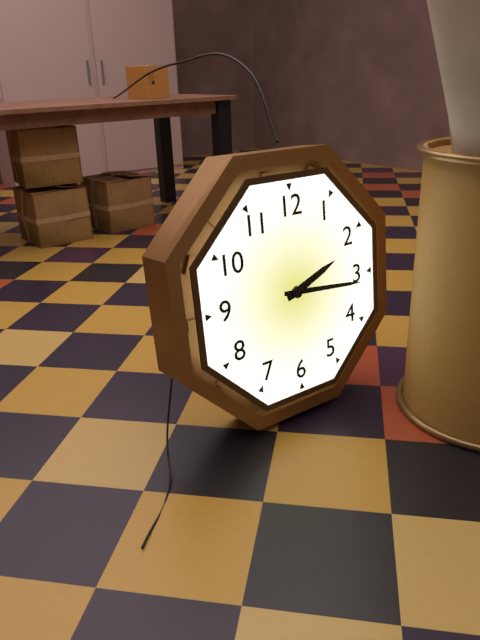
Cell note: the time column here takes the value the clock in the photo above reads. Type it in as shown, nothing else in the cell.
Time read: 2:16
